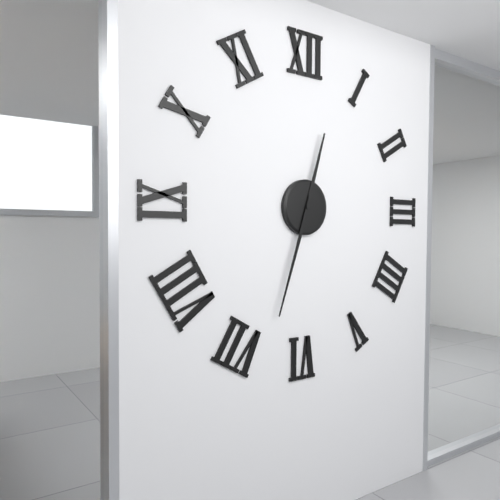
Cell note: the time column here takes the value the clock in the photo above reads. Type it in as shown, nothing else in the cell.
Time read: 12:33
